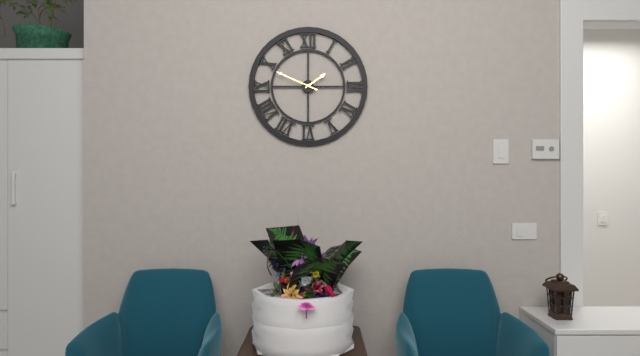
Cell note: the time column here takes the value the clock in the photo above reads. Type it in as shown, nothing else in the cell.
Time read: 1:49
